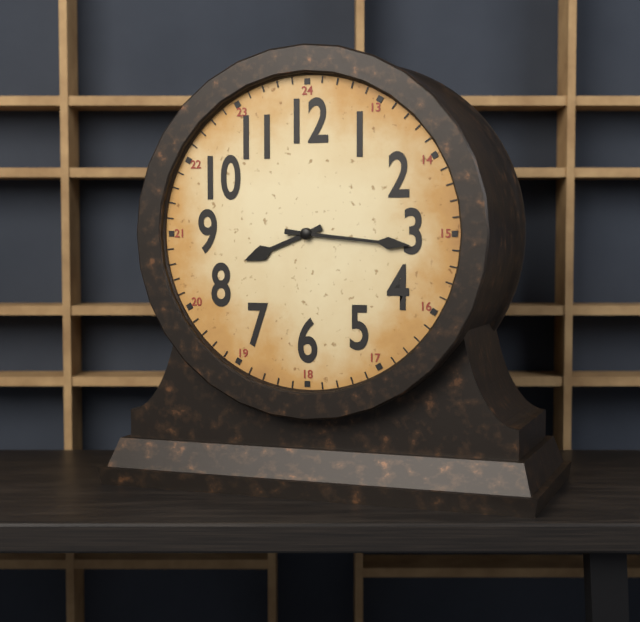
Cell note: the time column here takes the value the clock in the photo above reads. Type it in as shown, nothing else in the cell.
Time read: 8:16
